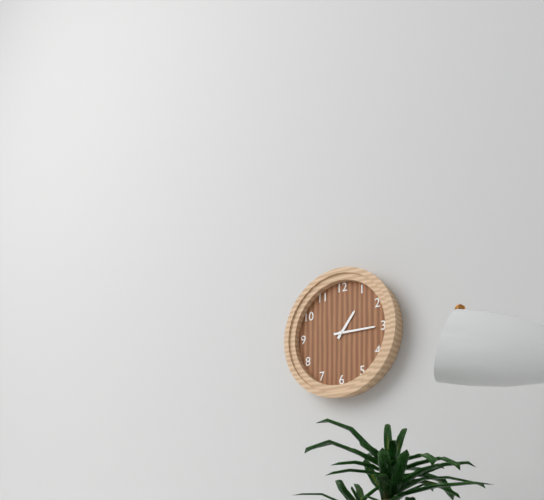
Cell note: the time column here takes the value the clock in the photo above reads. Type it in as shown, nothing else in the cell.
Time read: 1:15
